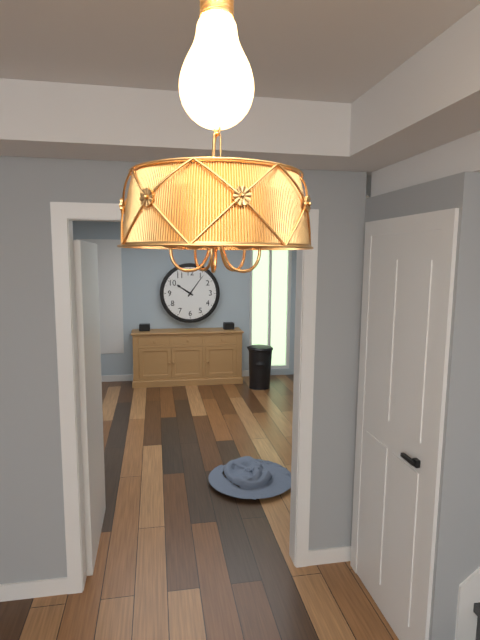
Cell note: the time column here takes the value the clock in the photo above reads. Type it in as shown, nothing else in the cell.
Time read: 10:06
